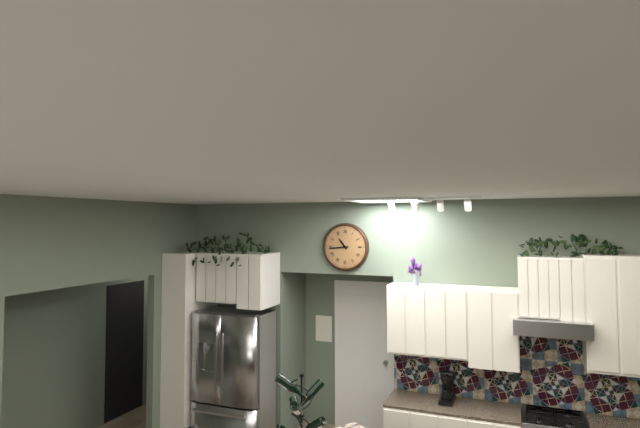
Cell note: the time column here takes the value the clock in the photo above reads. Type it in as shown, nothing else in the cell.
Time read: 10:44
